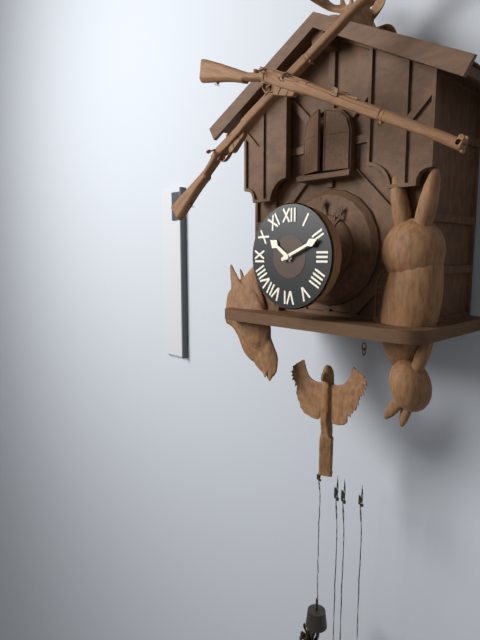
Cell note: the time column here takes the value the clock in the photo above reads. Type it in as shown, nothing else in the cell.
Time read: 10:11
